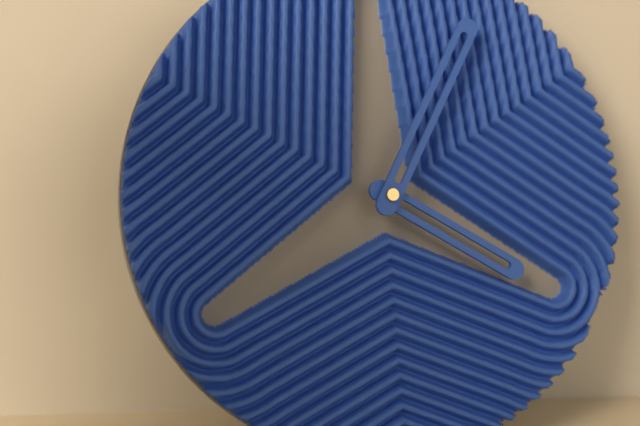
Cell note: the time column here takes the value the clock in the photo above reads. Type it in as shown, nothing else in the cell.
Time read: 4:05
